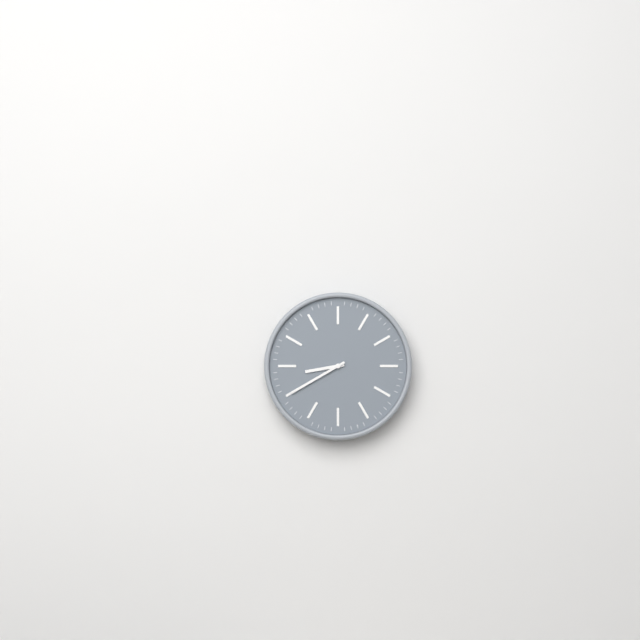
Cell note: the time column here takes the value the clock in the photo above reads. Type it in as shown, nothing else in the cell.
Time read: 8:40
